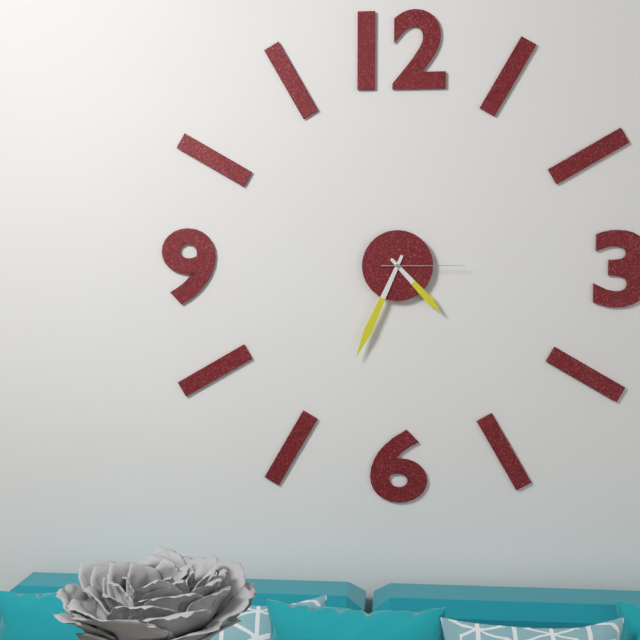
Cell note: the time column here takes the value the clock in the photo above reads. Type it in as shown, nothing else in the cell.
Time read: 4:34:15
